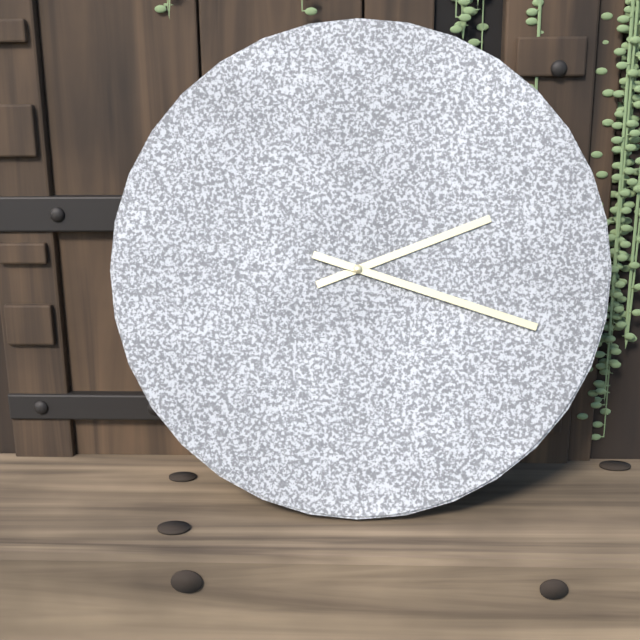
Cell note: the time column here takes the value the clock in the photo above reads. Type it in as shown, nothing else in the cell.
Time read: 2:18
